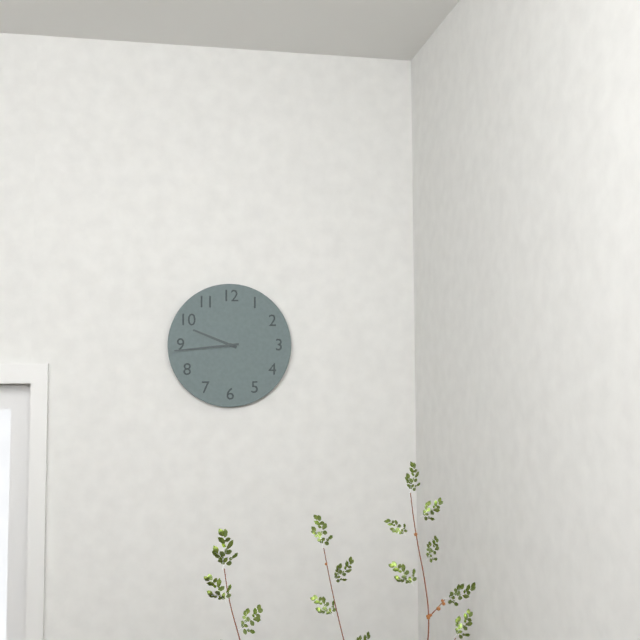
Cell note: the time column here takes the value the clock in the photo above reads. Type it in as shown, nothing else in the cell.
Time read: 9:44
